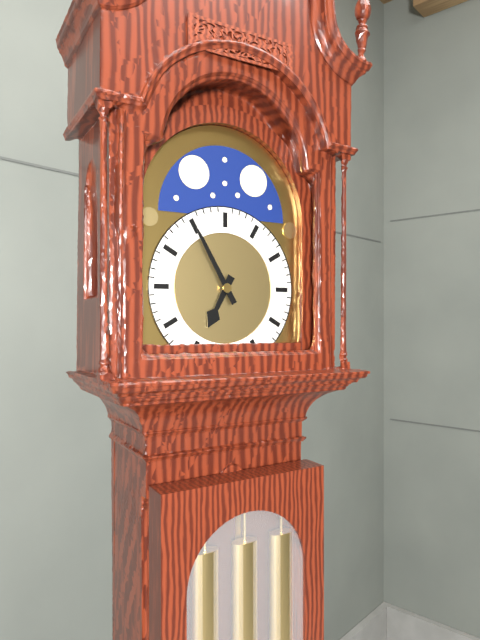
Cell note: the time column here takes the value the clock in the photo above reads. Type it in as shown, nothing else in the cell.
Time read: 6:55
